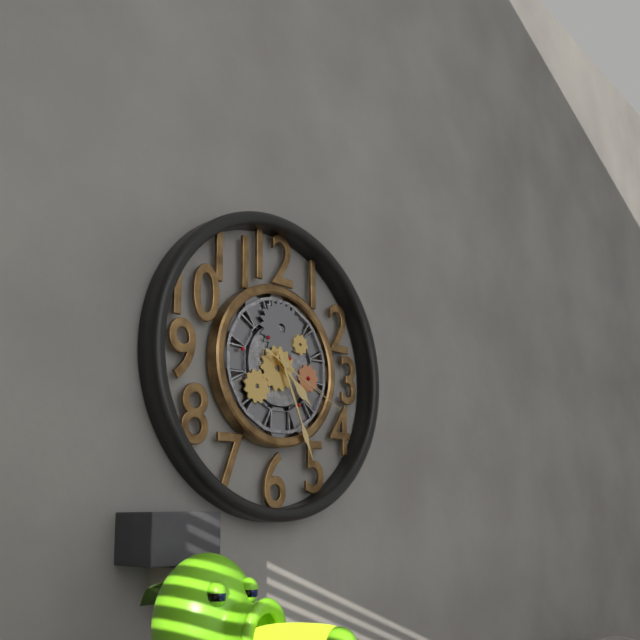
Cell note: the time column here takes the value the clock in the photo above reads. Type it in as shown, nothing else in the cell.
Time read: 4:26:19
